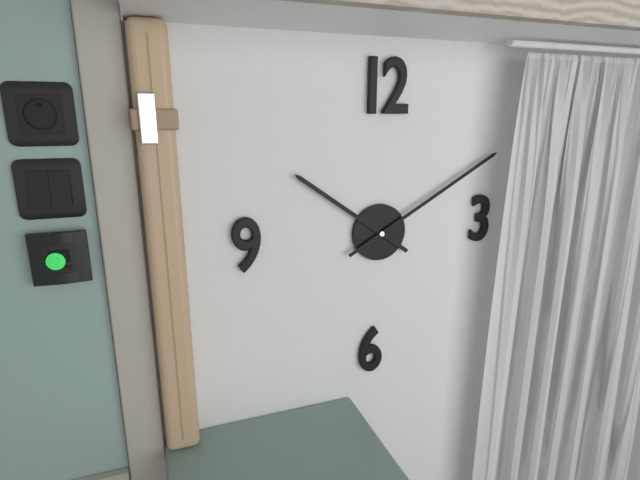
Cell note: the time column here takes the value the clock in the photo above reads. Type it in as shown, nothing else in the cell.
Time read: 10:10
